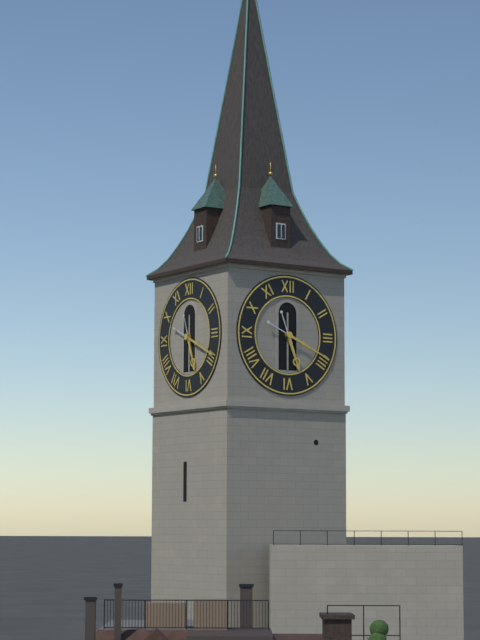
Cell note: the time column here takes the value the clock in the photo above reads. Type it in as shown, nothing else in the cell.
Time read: 5:19
